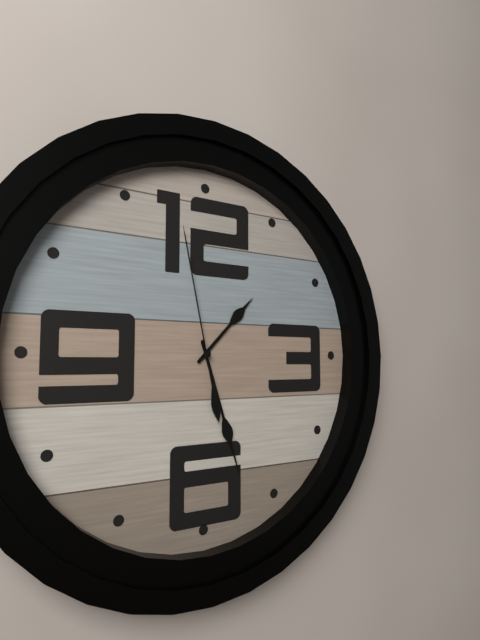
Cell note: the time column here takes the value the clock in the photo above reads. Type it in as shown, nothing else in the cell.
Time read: 1:27:58
